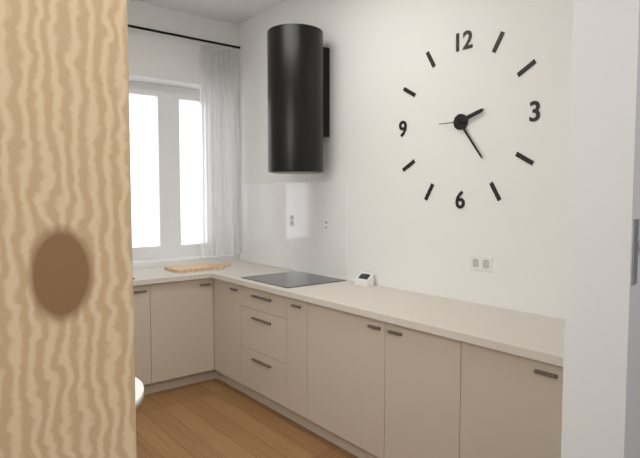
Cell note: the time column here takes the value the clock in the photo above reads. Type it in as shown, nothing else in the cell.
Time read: 2:24
